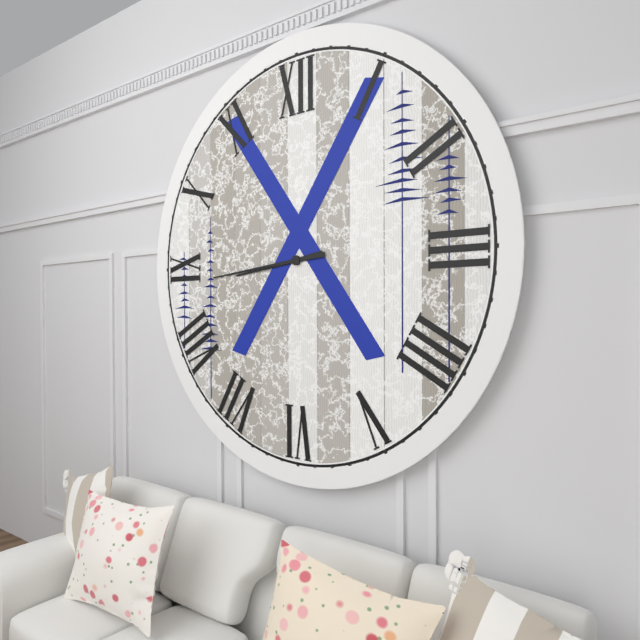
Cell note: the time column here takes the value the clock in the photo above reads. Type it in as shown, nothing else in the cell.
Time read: 8:44
